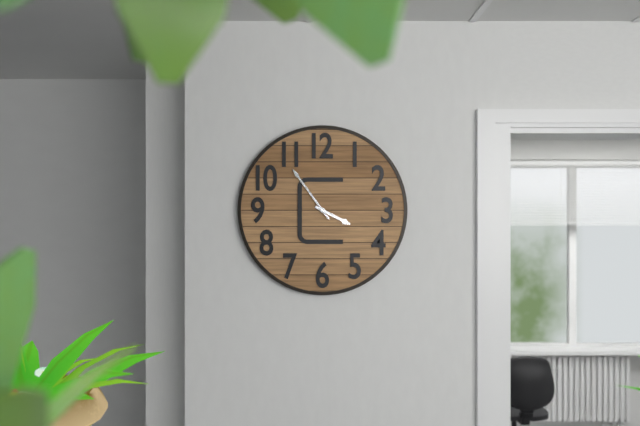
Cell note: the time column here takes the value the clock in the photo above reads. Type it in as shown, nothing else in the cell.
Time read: 3:54
